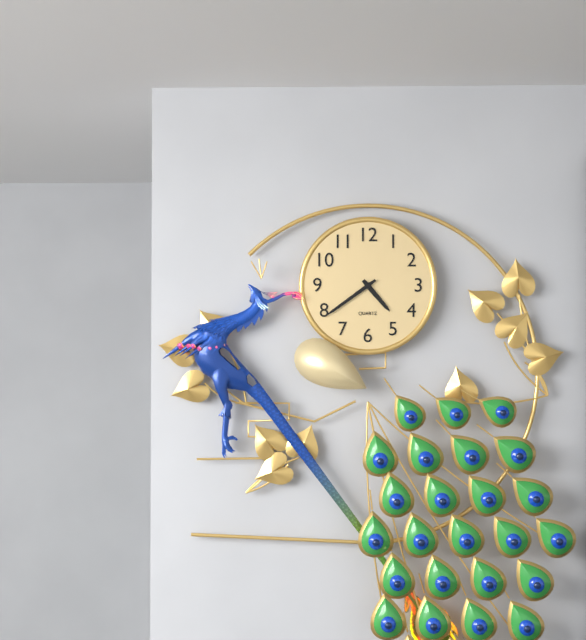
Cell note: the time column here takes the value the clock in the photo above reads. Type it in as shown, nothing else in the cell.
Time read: 4:39
